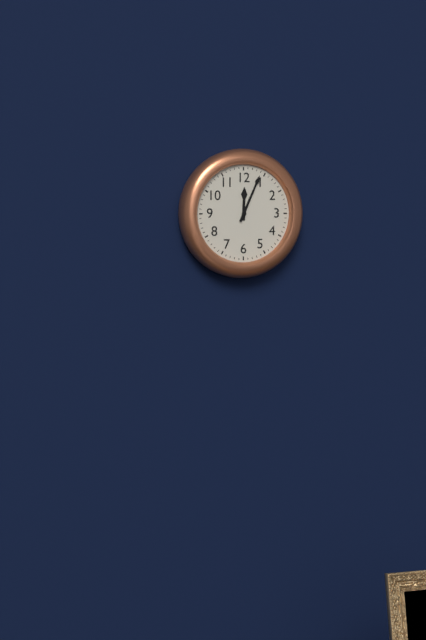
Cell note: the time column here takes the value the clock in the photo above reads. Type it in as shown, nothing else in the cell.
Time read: 12:04
